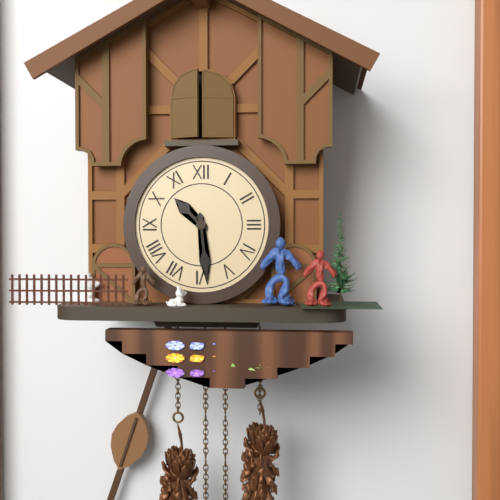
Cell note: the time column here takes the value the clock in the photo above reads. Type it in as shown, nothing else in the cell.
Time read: 10:29
